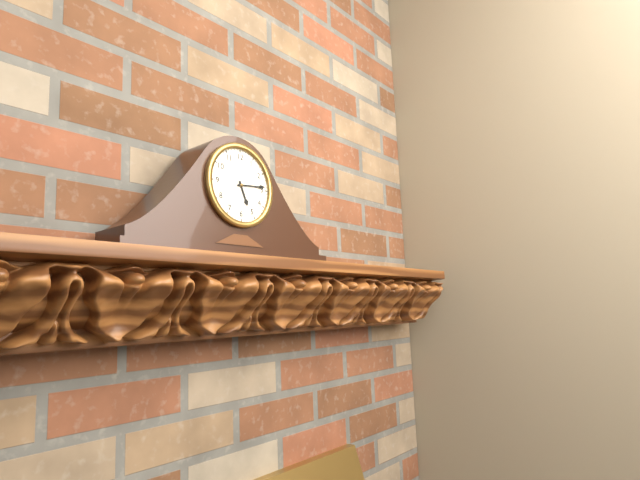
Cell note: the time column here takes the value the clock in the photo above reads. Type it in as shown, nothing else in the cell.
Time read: 5:14
